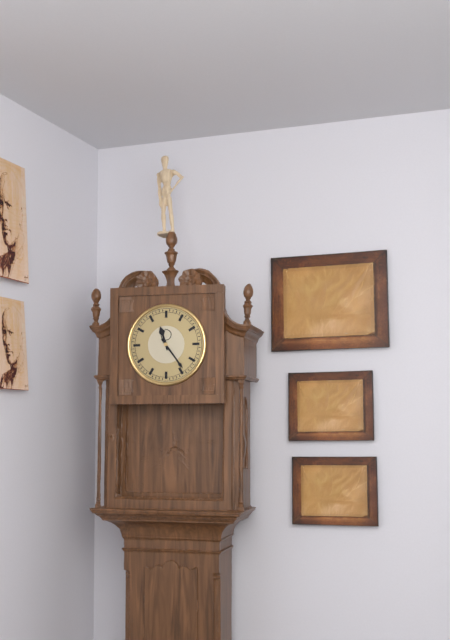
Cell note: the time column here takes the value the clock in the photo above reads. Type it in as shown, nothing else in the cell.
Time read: 11:24
